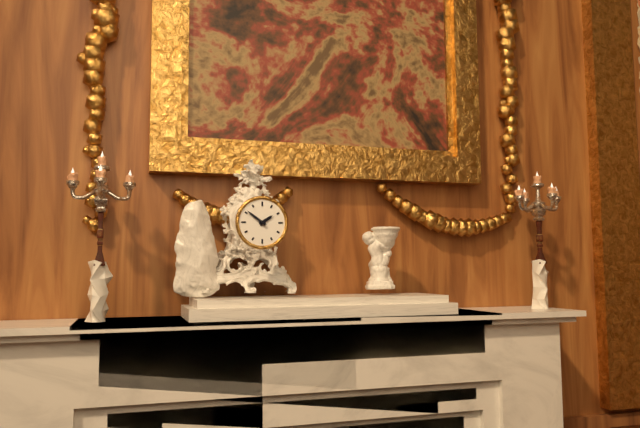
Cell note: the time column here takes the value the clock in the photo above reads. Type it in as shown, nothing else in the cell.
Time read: 1:51
